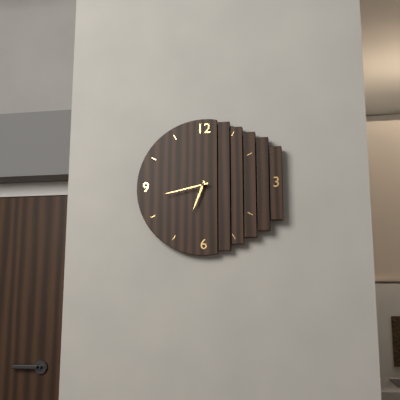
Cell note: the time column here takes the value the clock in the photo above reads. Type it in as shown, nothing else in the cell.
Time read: 6:43
